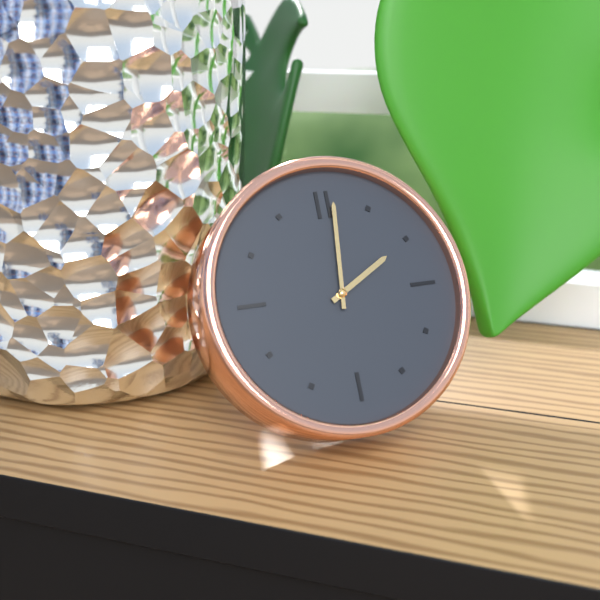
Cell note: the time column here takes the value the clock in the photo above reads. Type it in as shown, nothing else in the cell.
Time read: 2:01
